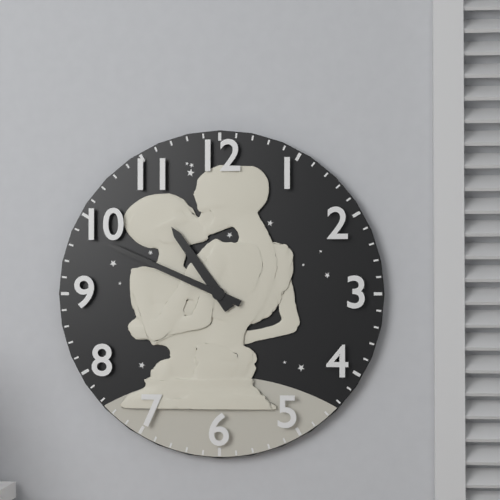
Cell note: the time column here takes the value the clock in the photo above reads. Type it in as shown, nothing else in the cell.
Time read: 10:49
